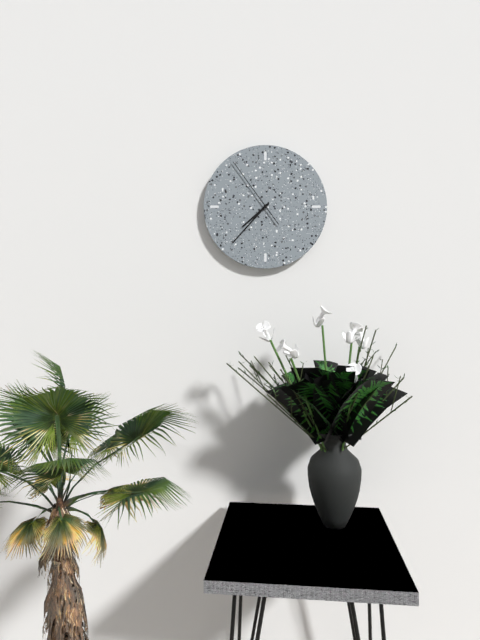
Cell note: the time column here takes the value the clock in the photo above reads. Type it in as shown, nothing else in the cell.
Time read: 7:37:54
